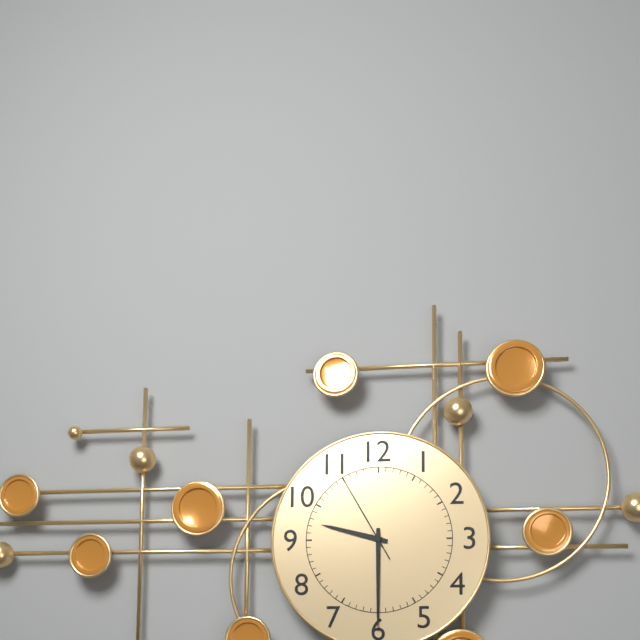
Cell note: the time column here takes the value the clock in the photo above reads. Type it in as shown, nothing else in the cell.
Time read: 9:30:55
